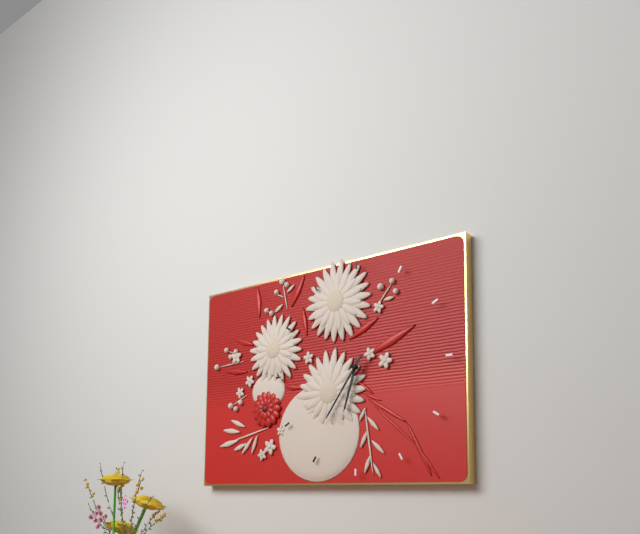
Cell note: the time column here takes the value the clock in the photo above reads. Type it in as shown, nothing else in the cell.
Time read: 6:36
